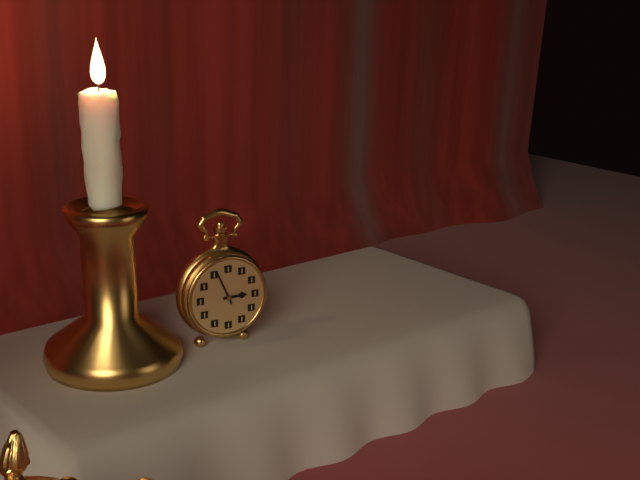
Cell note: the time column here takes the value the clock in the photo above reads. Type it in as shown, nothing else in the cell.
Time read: 2:56
